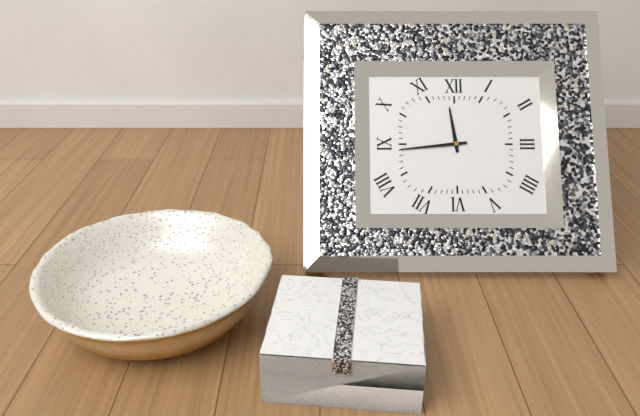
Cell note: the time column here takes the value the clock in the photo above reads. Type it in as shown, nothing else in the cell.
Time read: 11:44
